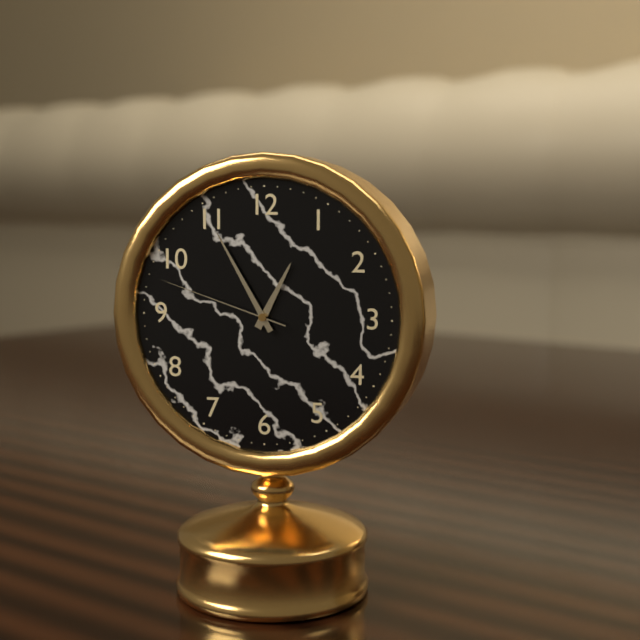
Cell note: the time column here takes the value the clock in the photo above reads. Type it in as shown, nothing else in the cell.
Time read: 12:55:48
